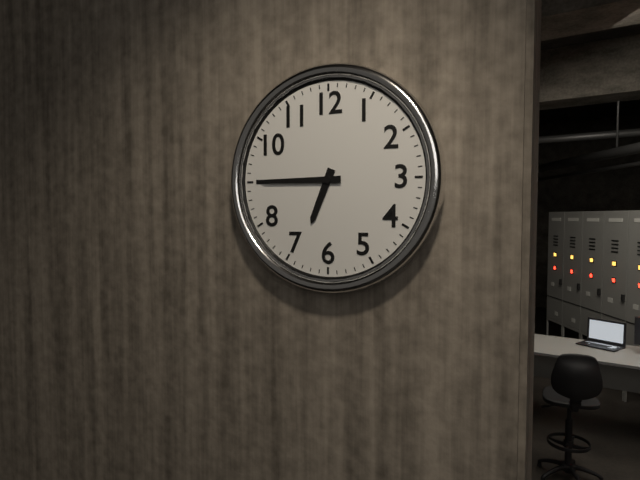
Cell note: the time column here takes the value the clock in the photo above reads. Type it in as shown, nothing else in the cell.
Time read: 6:45
